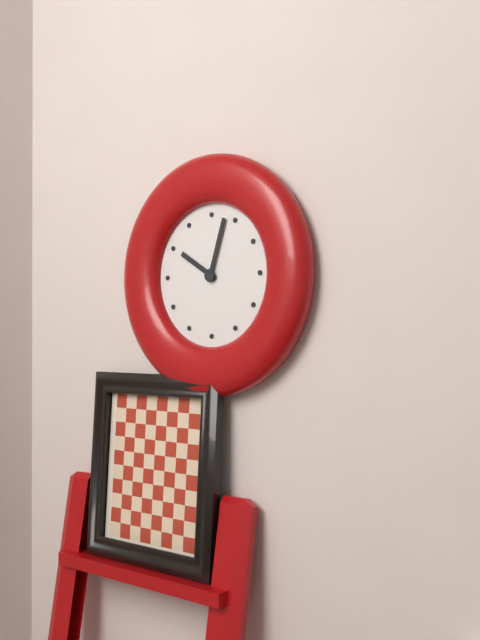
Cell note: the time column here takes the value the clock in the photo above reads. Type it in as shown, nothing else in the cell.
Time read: 10:03
